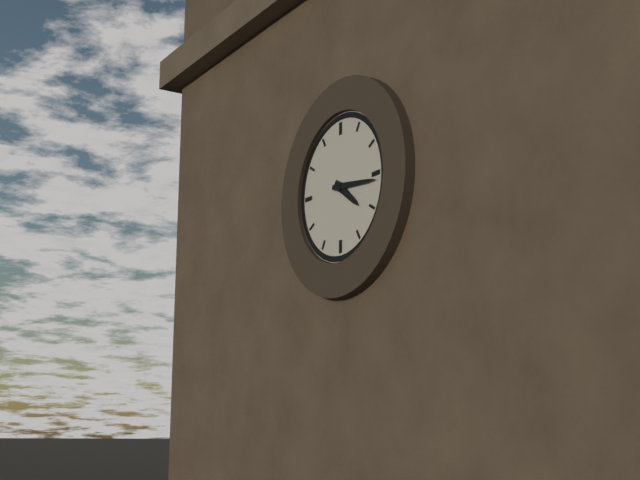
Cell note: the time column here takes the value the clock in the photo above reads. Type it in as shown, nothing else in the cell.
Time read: 4:16
